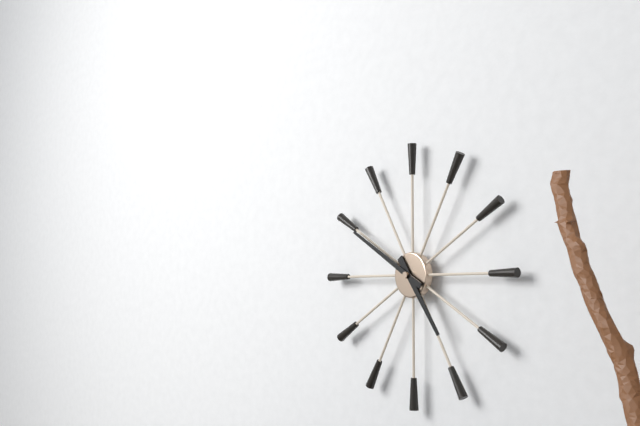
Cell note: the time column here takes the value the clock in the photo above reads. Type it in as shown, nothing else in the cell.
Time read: 4:50
